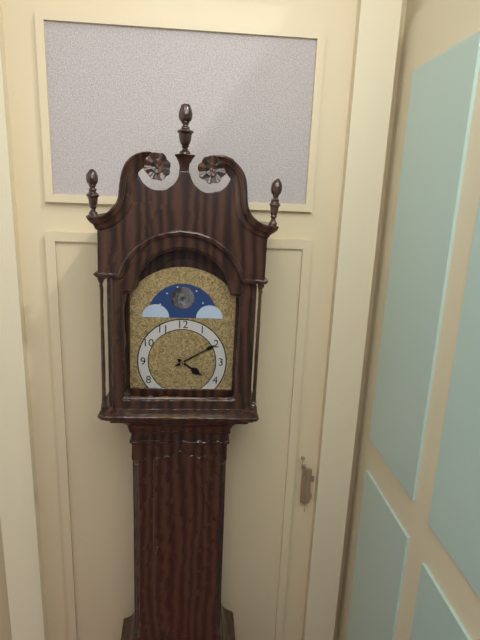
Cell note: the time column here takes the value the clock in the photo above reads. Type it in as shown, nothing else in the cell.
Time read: 4:10
